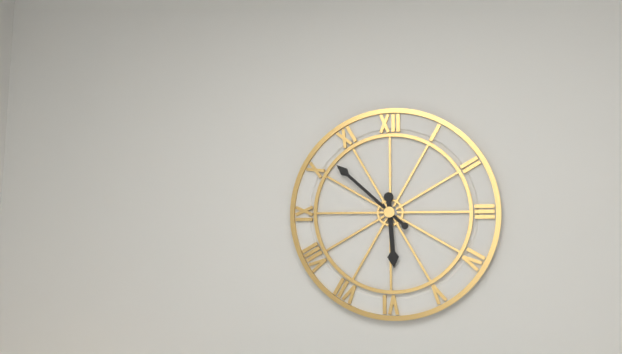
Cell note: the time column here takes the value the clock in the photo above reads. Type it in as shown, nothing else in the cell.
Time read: 5:52
